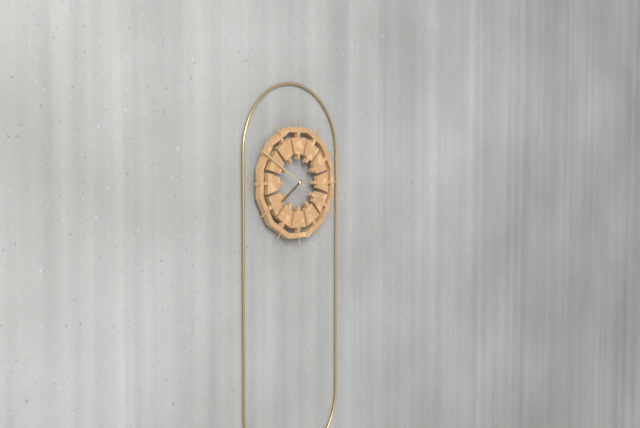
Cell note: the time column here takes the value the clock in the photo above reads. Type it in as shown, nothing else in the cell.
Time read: 7:50
